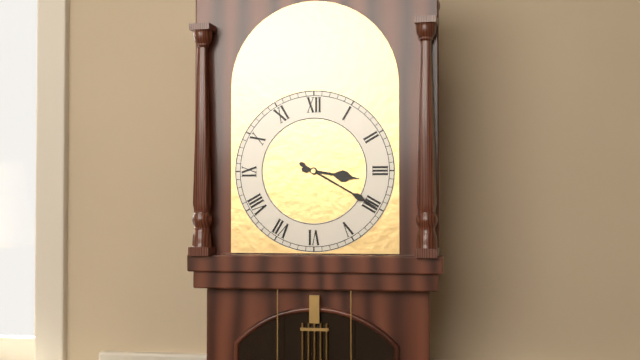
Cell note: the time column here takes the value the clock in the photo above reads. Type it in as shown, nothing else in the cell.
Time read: 3:20
